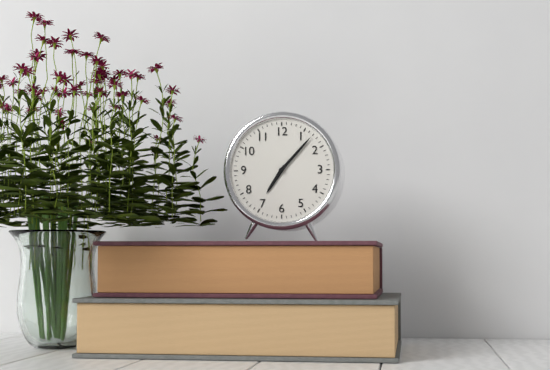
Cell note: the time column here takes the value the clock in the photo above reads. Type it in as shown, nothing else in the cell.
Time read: 7:07
